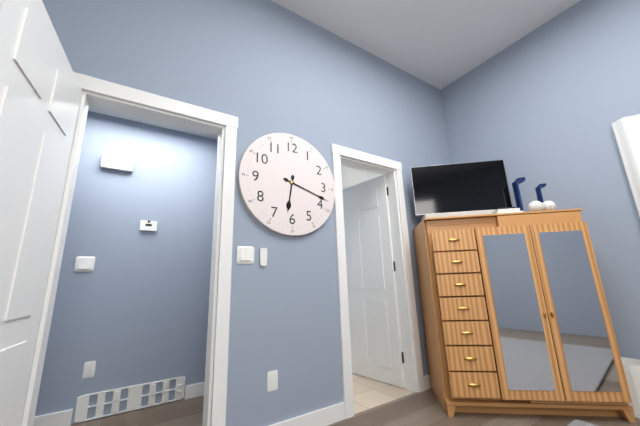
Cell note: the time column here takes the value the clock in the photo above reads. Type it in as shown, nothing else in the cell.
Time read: 6:18
